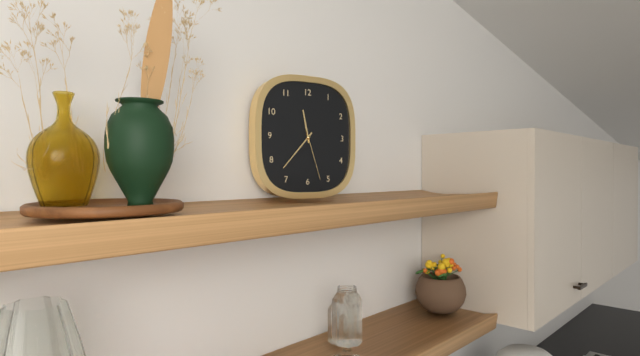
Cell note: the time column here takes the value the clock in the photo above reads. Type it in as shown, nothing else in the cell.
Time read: 11:37:27
